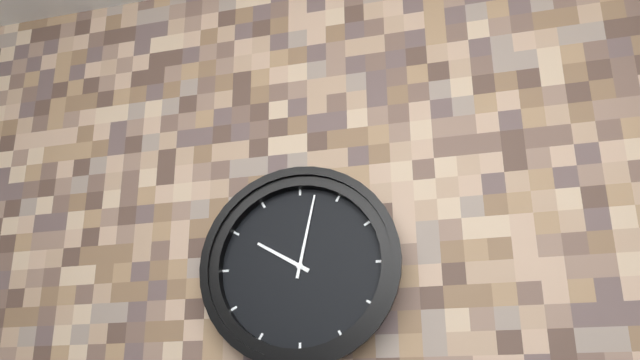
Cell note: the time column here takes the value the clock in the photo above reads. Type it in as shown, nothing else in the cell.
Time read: 10:02
